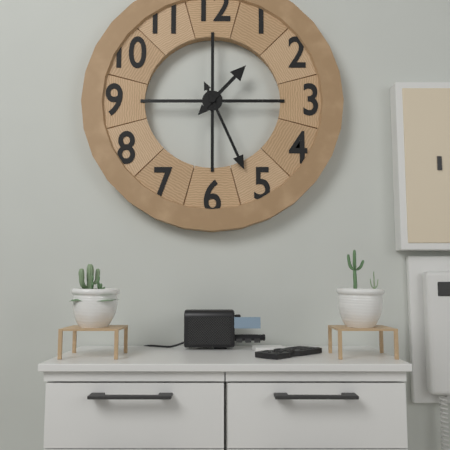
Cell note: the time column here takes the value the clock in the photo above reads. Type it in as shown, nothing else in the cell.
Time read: 1:26
